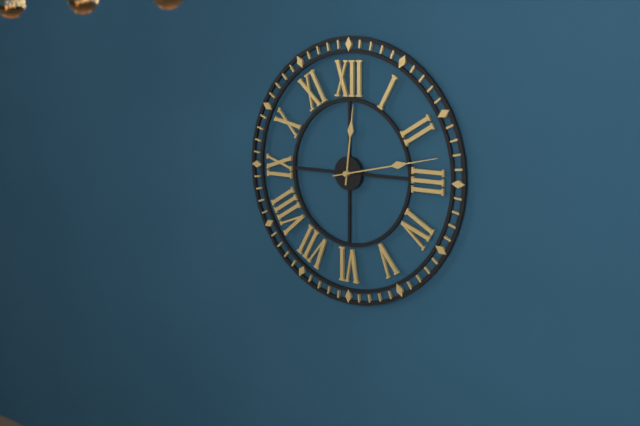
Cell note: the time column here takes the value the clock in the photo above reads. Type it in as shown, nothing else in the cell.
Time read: 12:13
